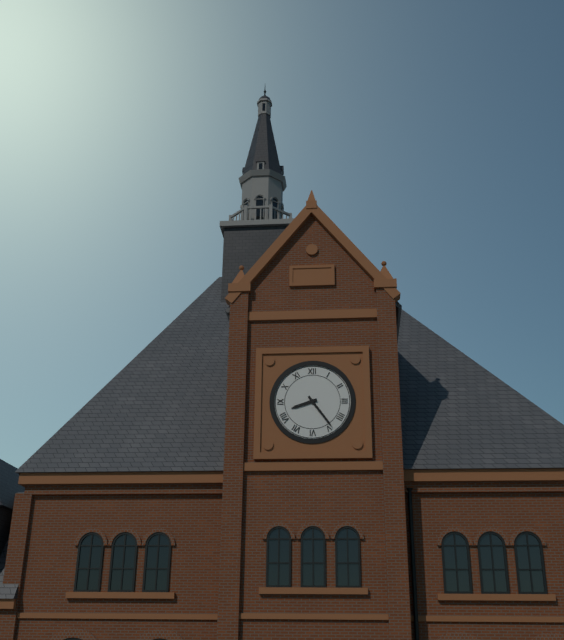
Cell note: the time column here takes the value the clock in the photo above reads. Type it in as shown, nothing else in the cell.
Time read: 8:24
